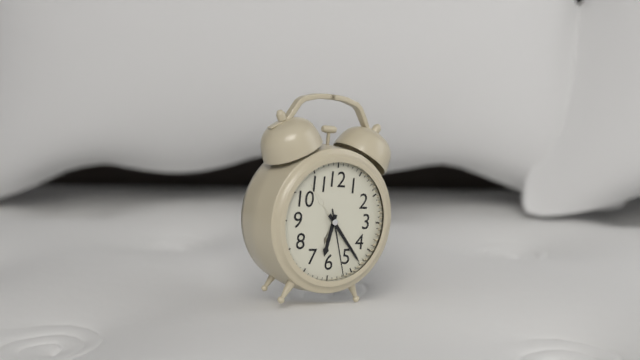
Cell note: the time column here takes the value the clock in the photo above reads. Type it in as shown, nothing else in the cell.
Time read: 6:23:27
